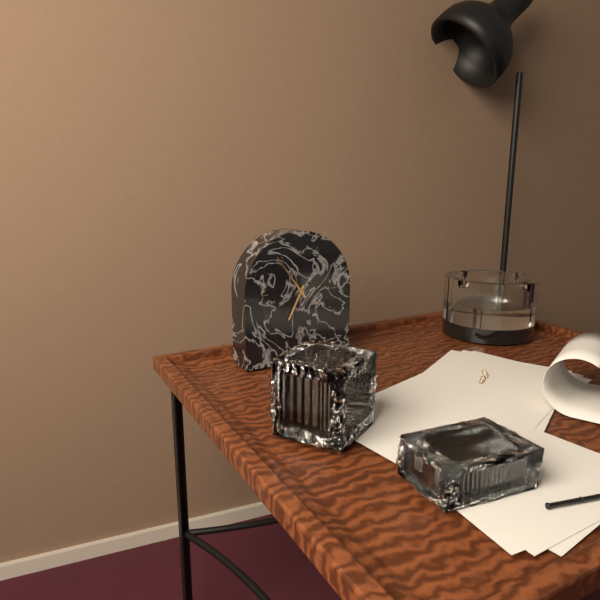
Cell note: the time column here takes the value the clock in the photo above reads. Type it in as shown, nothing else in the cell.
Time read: 6:54
